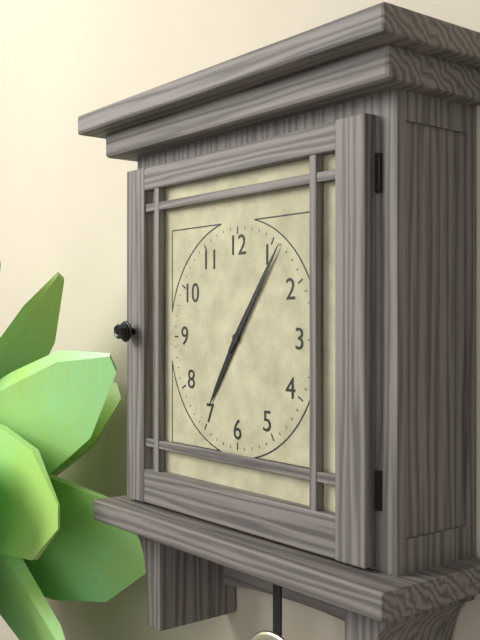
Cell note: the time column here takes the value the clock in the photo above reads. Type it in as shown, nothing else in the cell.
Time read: 7:06
